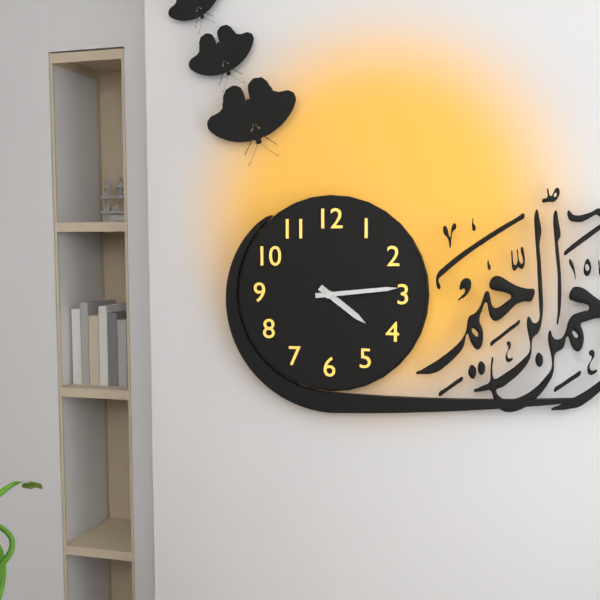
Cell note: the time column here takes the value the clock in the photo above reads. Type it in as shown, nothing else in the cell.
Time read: 4:14
